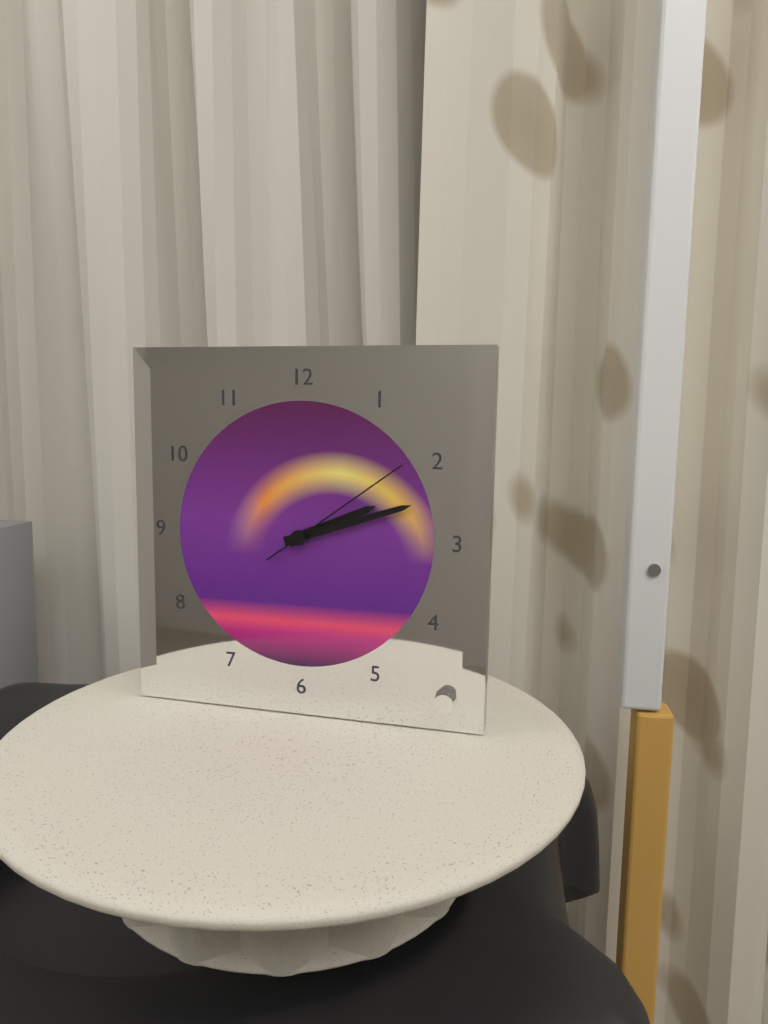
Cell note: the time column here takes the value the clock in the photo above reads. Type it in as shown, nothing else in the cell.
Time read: 2:12:09
